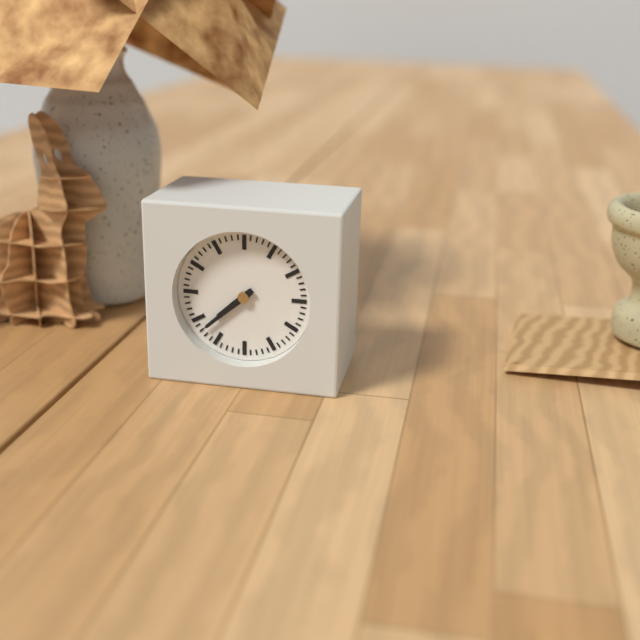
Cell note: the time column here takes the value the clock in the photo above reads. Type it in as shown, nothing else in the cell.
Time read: 7:38
